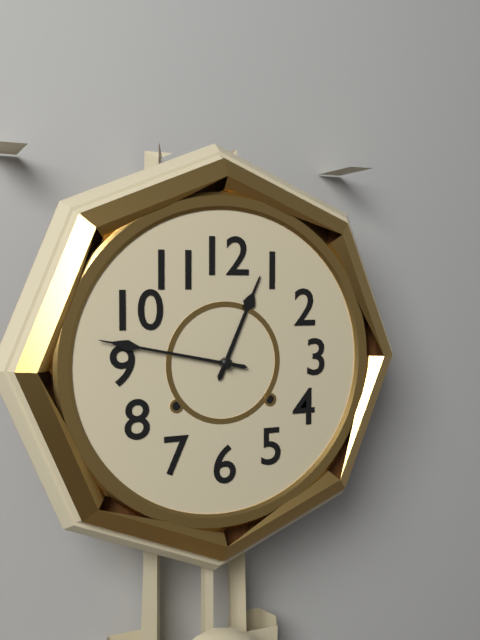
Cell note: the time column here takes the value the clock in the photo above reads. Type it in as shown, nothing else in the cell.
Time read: 12:47
